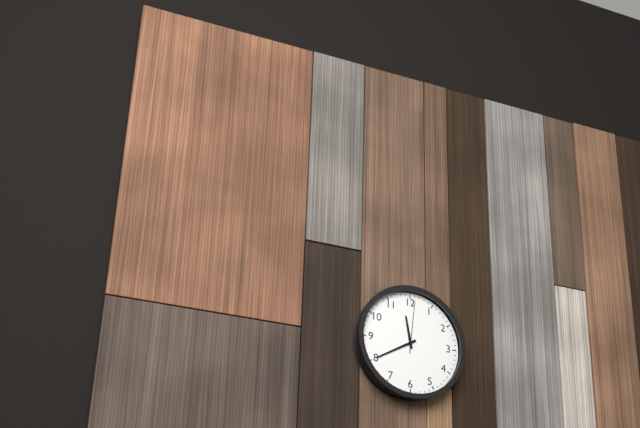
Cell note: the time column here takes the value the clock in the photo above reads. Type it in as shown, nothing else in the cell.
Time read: 11:40:01
